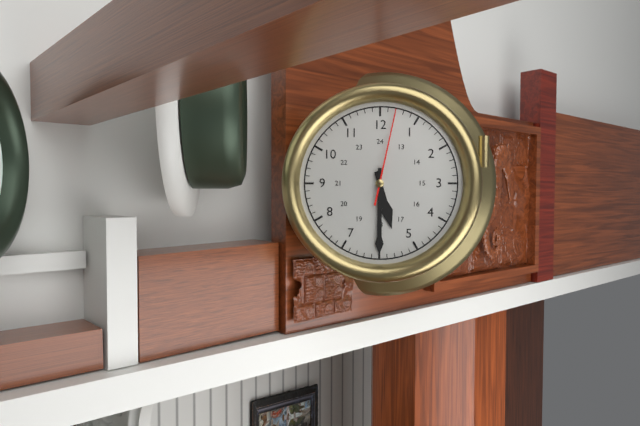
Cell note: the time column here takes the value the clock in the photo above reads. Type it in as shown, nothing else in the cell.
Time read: 5:30:02
